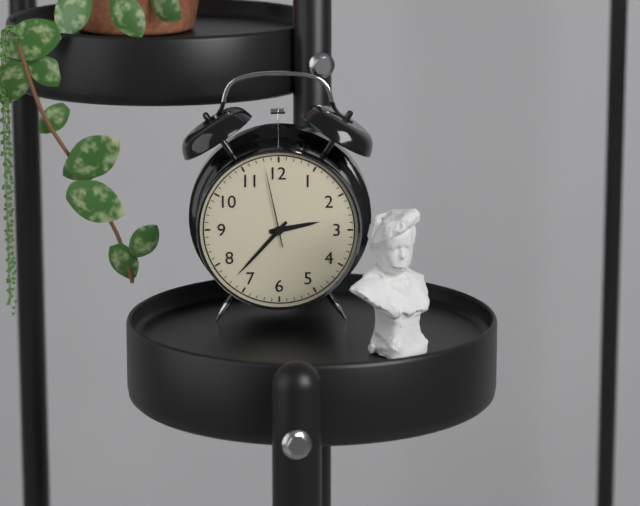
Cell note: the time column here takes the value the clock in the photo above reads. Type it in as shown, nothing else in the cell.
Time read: 2:37:58
